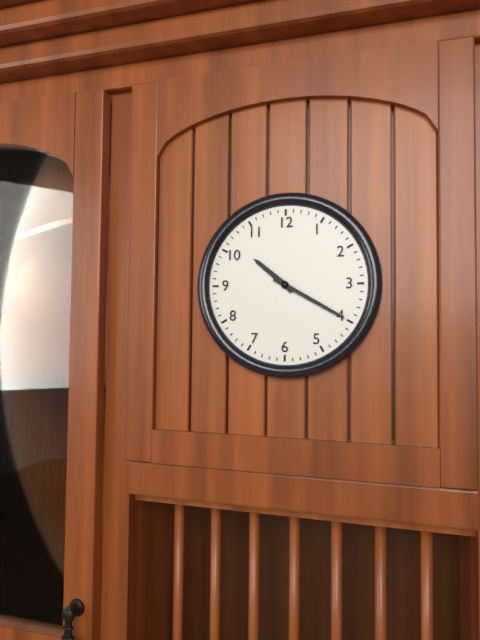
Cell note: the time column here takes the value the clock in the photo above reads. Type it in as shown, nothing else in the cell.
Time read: 10:20
